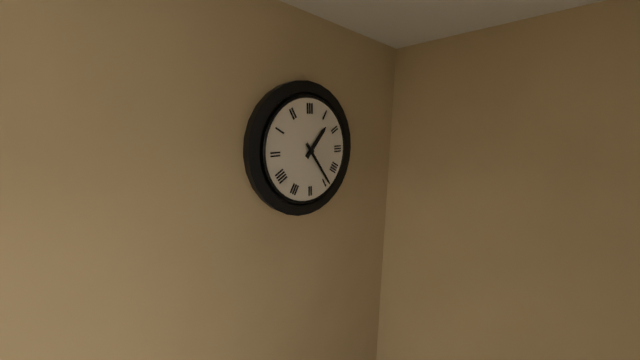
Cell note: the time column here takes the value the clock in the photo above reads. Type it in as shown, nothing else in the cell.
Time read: 1:24
